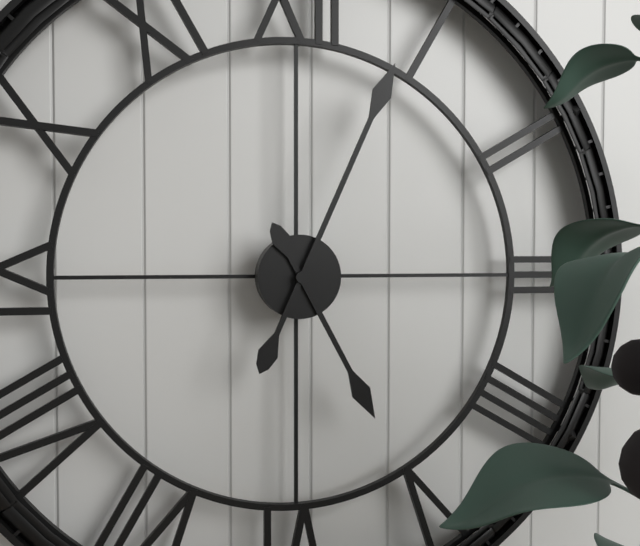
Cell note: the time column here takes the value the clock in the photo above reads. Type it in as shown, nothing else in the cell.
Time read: 5:04
